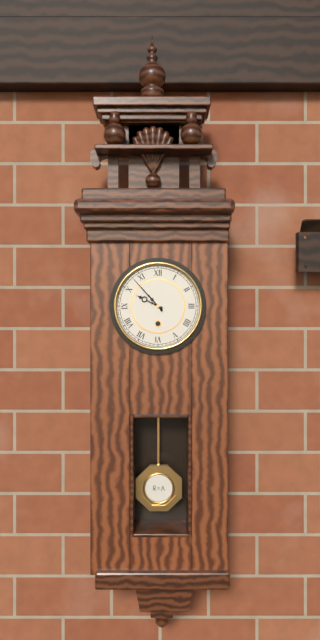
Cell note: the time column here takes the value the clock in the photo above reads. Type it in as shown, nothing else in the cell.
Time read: 9:53
